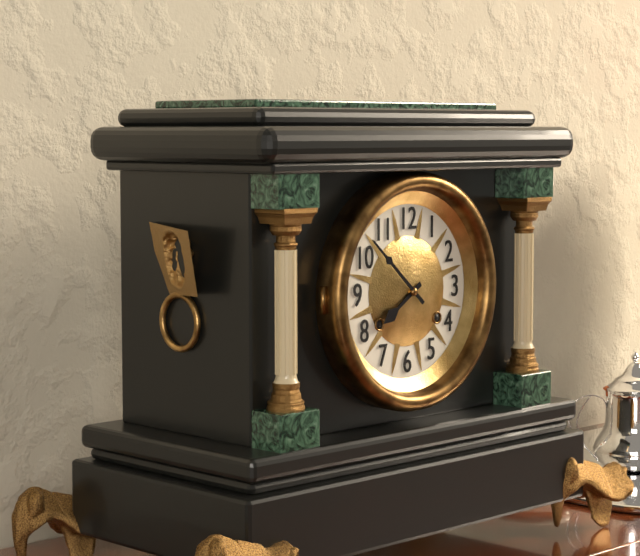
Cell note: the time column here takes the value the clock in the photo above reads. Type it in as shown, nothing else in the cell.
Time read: 7:52
